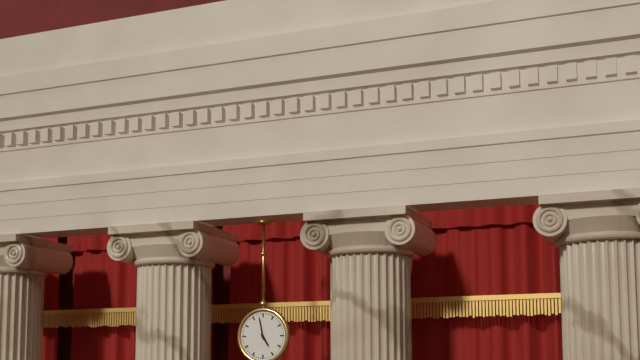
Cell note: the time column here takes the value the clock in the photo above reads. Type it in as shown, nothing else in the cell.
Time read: 4:58
